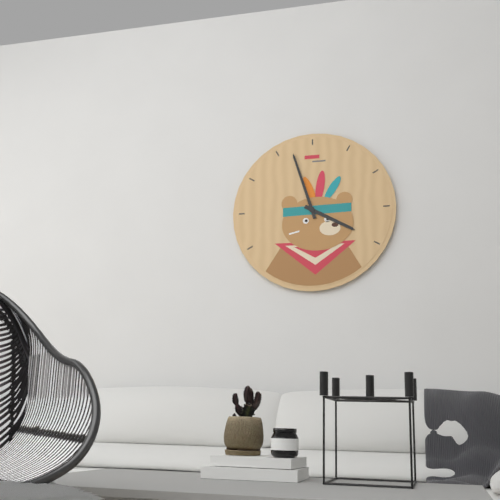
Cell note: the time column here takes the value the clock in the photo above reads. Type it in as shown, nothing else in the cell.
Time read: 3:57
